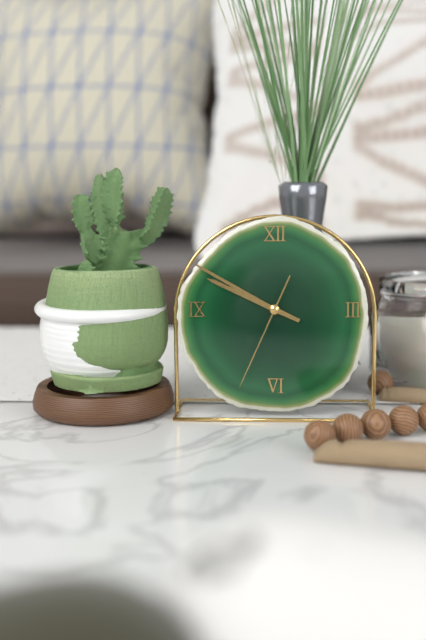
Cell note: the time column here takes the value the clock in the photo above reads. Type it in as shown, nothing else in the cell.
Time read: 9:50:34
